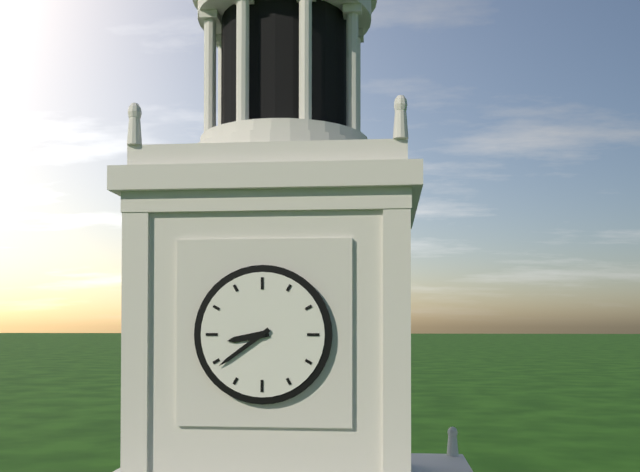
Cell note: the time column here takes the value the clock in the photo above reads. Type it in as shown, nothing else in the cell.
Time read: 8:39
